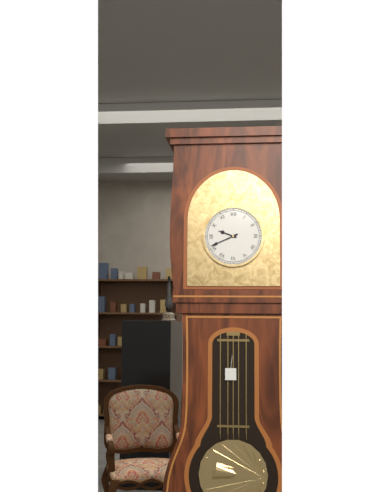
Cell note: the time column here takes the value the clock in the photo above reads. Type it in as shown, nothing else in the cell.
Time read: 9:41
